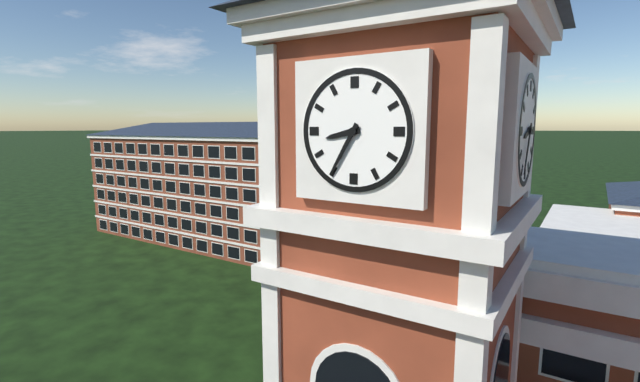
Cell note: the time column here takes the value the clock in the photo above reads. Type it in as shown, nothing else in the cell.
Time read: 8:35
